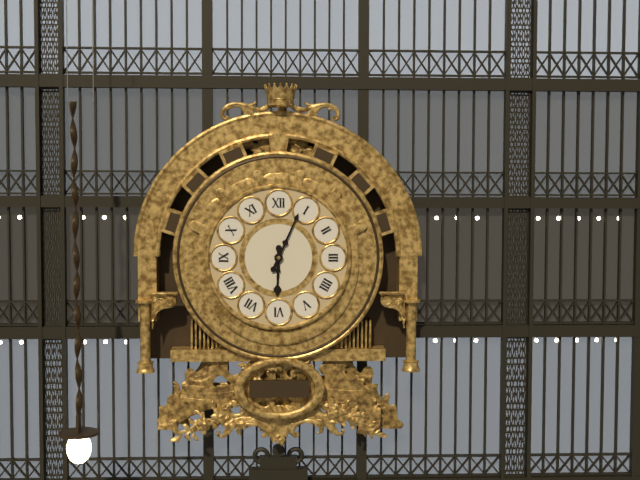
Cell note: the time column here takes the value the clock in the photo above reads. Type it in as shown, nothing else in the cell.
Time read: 6:04
